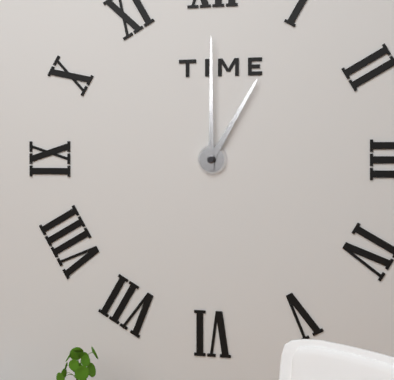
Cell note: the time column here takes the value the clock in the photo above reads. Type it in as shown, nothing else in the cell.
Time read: 1:00
